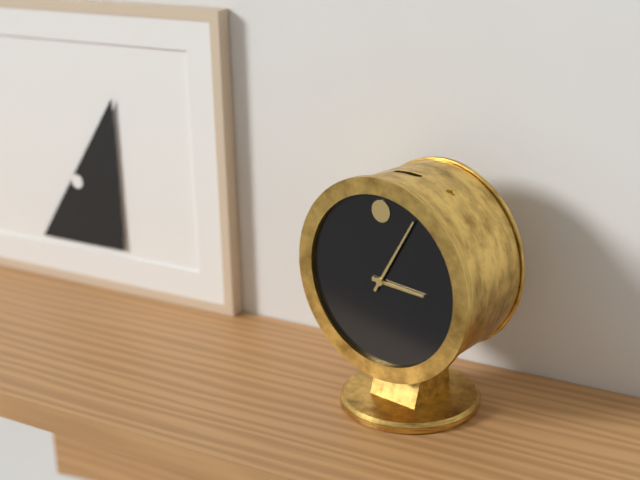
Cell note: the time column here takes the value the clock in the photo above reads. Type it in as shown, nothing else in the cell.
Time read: 3:05
